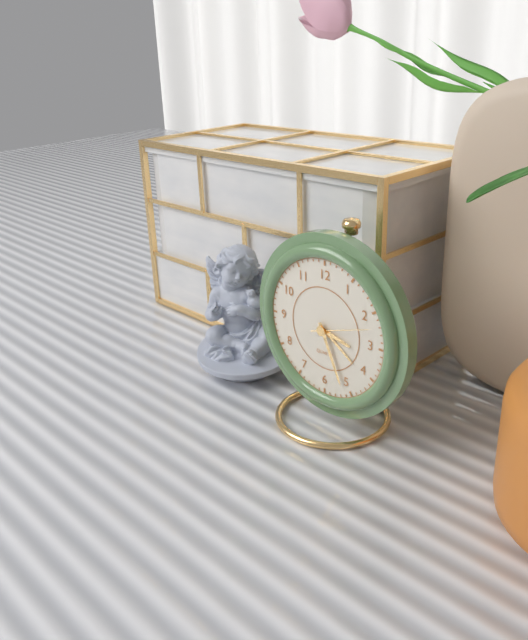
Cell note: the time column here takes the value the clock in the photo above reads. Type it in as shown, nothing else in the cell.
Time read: 3:26:12
